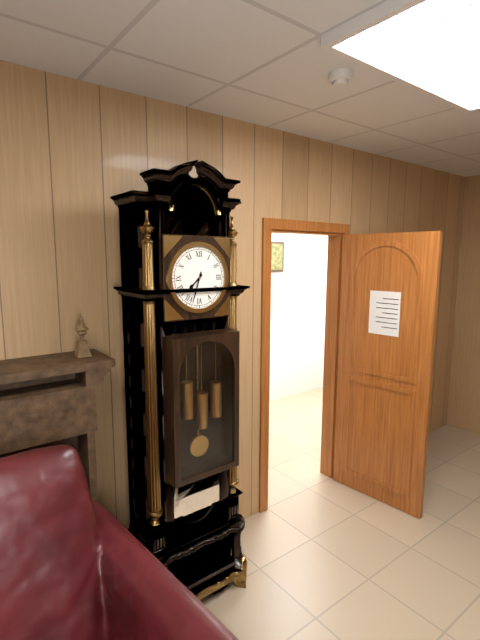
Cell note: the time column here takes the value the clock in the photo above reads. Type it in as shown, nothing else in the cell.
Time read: 7:33
